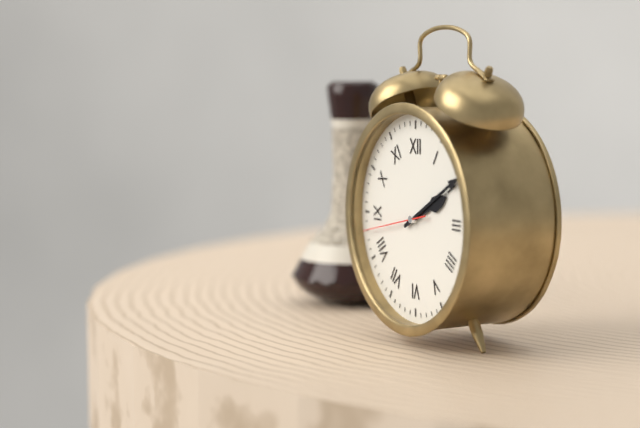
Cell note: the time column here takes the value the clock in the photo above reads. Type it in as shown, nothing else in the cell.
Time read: 2:10:43
